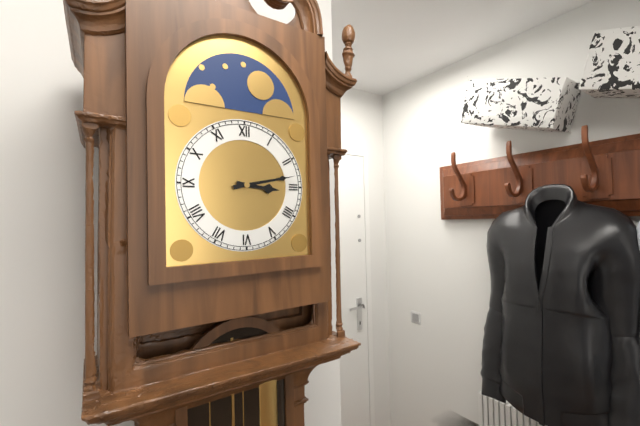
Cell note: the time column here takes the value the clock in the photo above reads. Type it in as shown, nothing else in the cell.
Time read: 3:13
